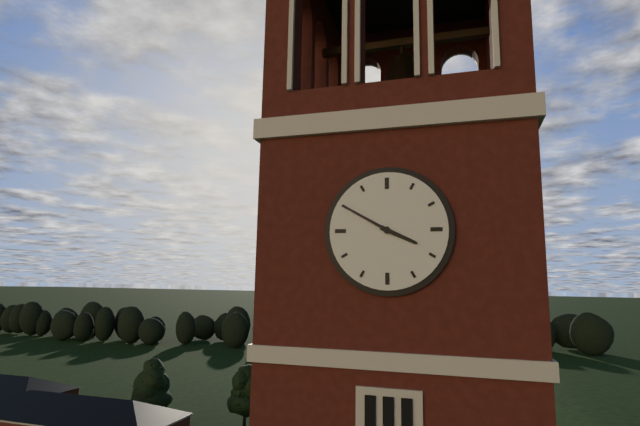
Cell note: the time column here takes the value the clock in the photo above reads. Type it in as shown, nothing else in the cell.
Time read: 3:50
